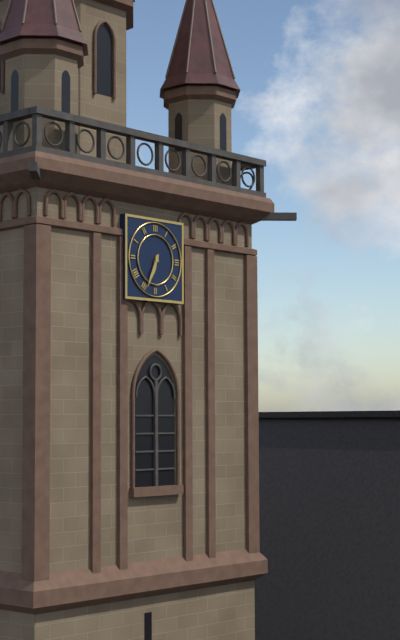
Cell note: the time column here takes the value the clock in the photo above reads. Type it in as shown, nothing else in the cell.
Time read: 6:34
